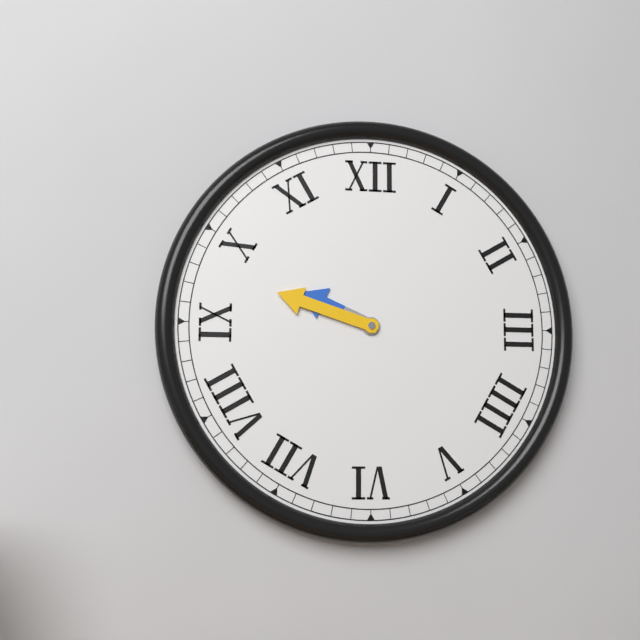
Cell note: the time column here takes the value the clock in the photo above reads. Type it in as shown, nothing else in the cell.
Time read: 9:48
